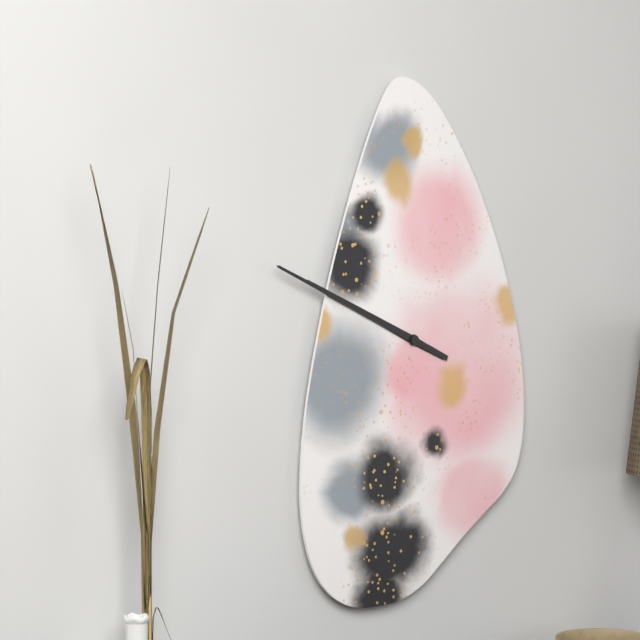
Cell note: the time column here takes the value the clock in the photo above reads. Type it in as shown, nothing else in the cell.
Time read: 9:49
